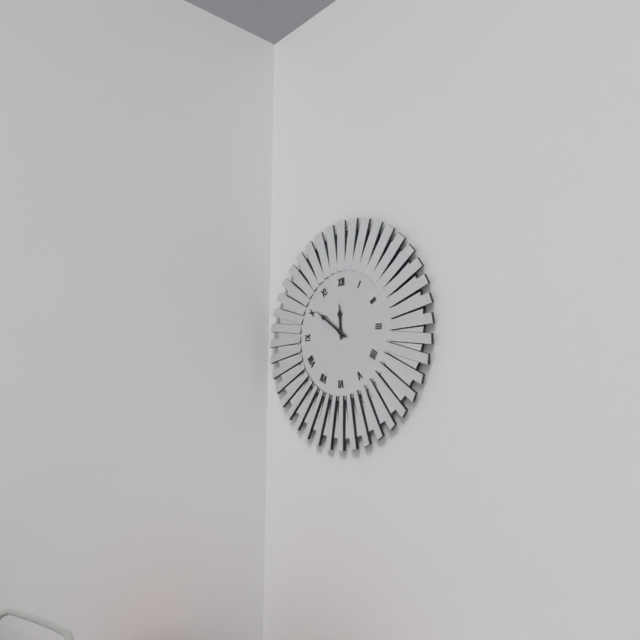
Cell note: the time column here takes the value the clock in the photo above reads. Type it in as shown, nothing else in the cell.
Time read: 11:51
